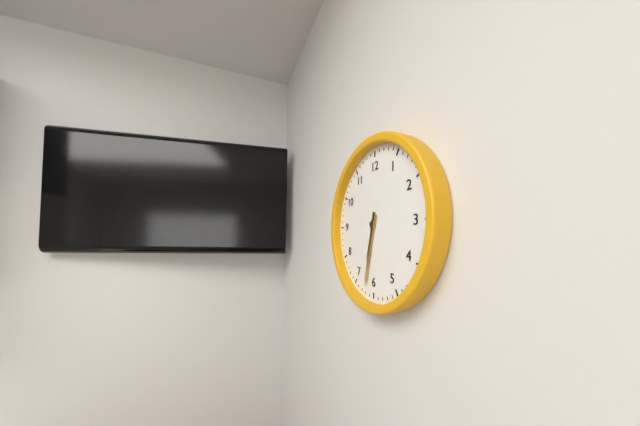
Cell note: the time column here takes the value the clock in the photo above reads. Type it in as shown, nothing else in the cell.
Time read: 6:32
